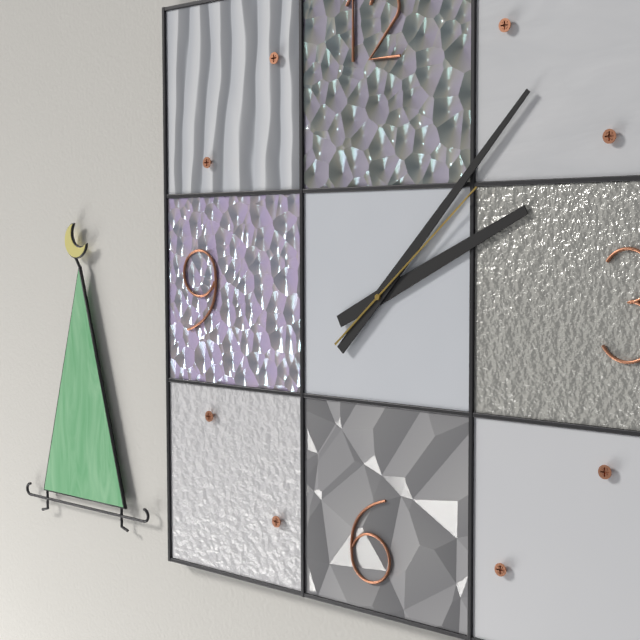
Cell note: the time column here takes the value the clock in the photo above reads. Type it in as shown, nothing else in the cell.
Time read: 2:07:08
